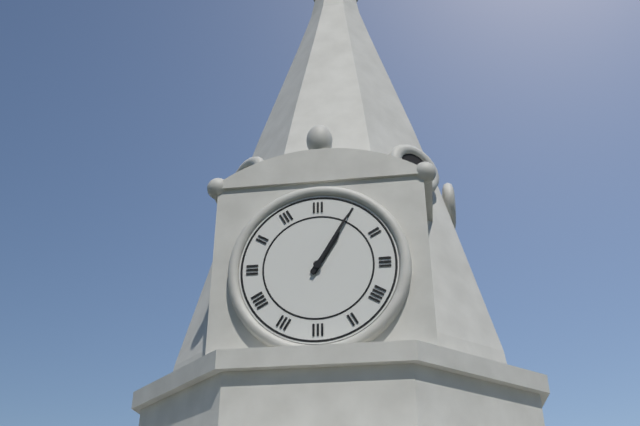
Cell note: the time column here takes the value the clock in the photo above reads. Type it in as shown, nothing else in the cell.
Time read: 1:05
